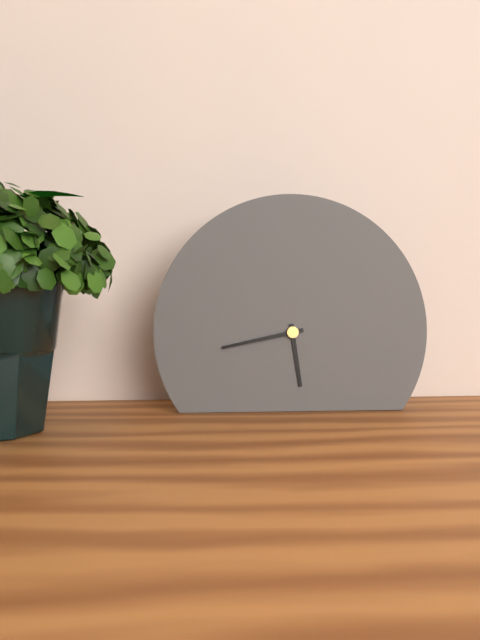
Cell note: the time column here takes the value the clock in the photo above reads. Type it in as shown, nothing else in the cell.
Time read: 5:43
